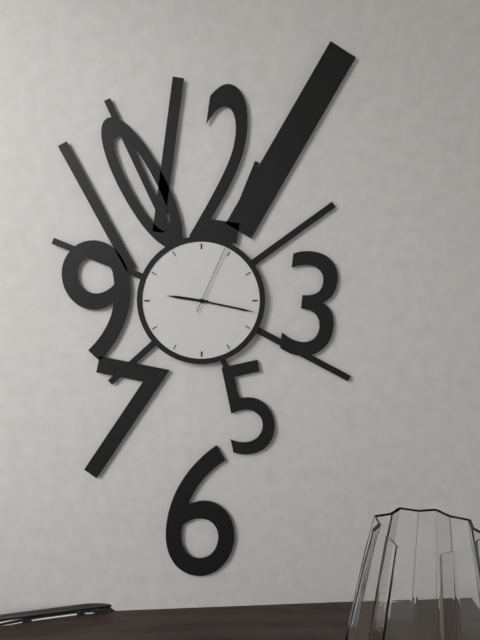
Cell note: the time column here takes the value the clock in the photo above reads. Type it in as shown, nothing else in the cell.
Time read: 9:17:04
